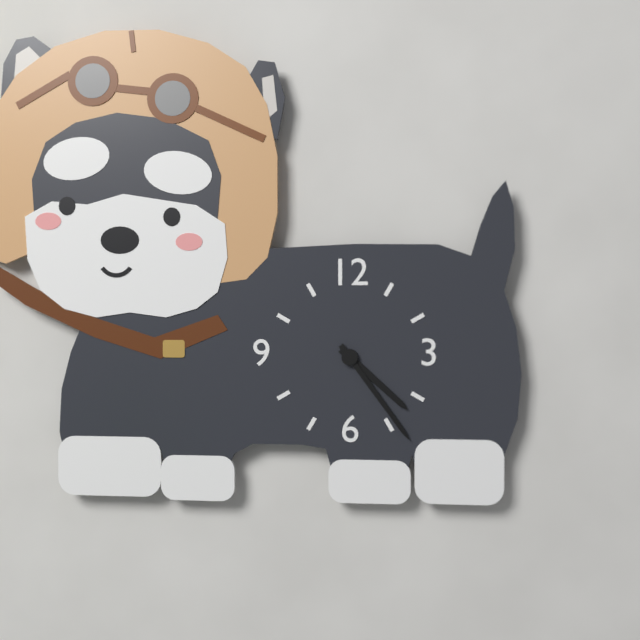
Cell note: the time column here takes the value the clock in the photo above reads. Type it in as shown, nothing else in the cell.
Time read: 4:24
